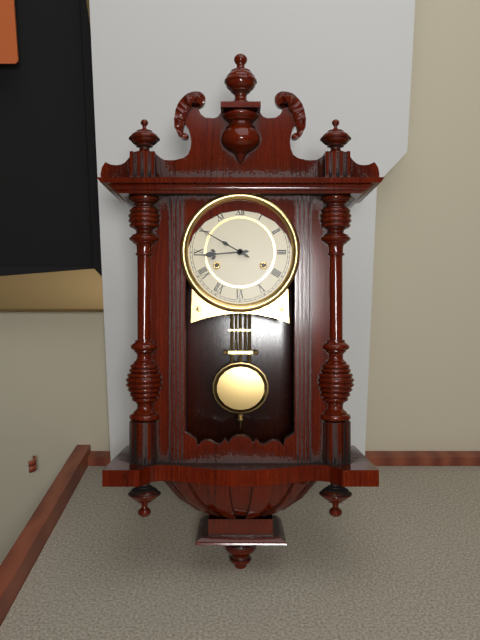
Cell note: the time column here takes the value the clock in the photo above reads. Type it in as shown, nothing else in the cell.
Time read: 8:50
